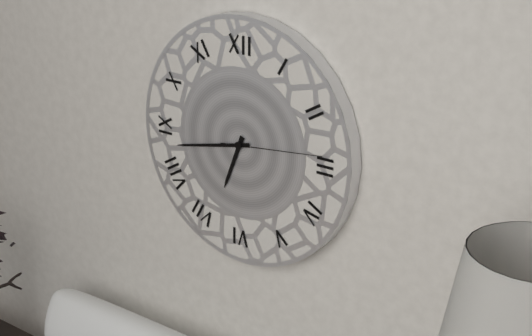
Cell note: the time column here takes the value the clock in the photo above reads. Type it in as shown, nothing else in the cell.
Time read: 6:43:14
